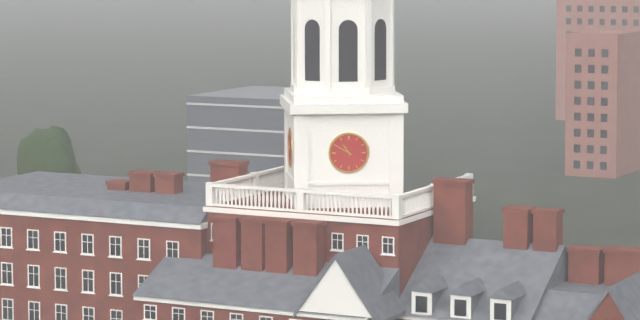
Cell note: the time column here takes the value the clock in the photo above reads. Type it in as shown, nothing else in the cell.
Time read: 10:50
